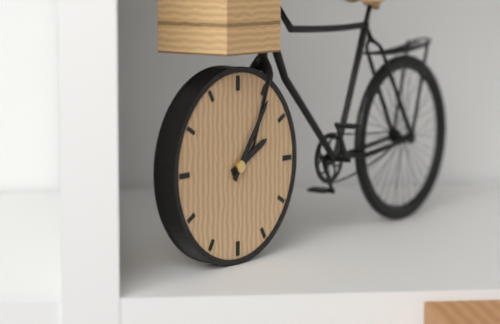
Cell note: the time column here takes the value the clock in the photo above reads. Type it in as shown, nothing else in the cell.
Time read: 2:06
